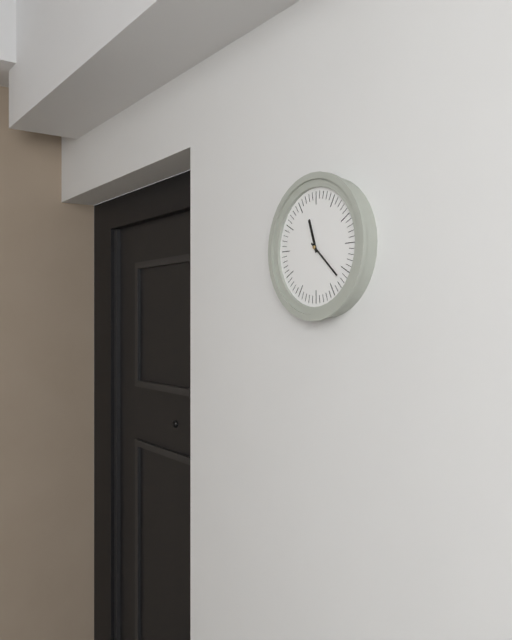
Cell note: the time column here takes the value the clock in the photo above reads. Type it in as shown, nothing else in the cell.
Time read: 11:22
